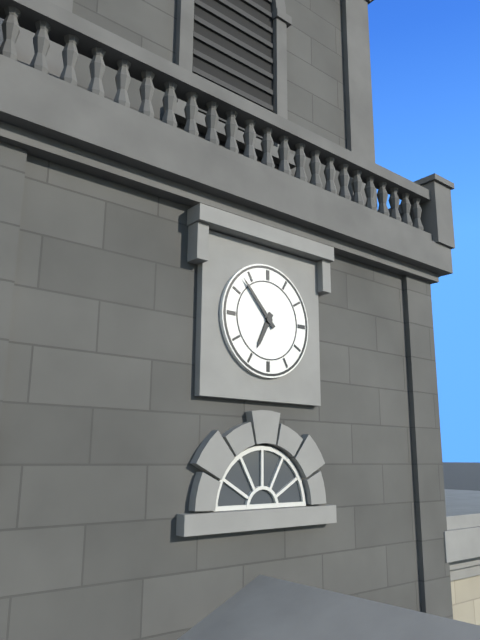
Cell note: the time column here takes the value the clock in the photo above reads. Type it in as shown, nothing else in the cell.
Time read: 6:53
